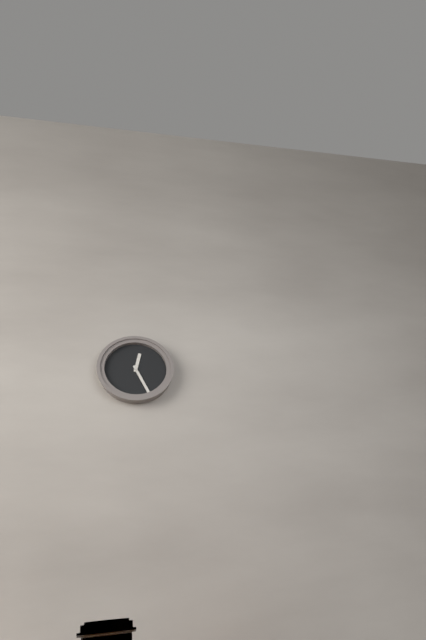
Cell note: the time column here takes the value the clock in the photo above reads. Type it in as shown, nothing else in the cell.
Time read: 12:26
